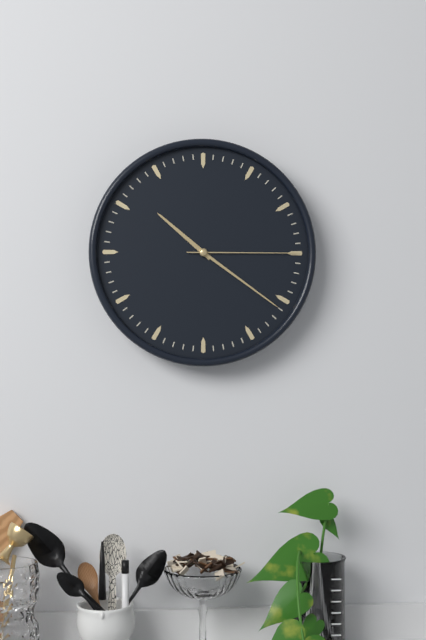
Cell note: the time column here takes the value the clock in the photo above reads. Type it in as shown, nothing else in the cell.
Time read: 10:21:15
